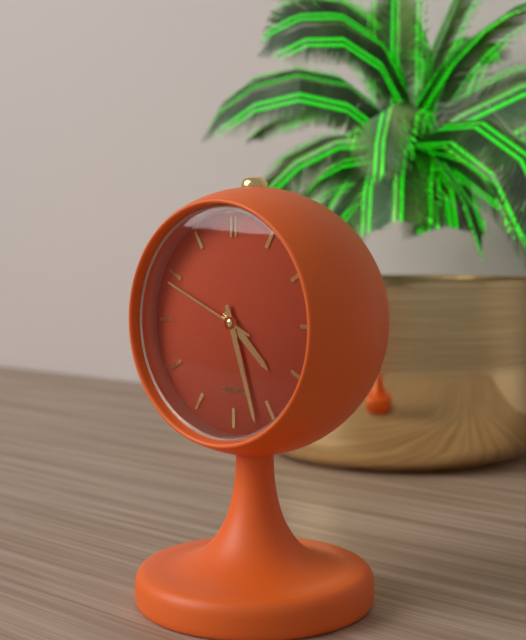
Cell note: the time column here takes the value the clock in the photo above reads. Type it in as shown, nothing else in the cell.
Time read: 4:27:49
